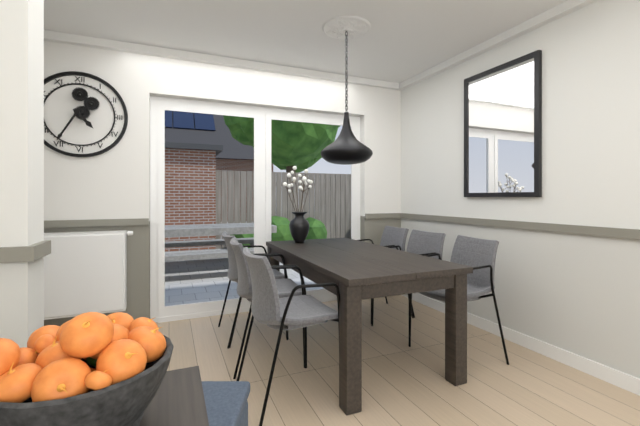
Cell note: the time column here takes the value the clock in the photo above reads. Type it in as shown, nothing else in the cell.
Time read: 4:35
